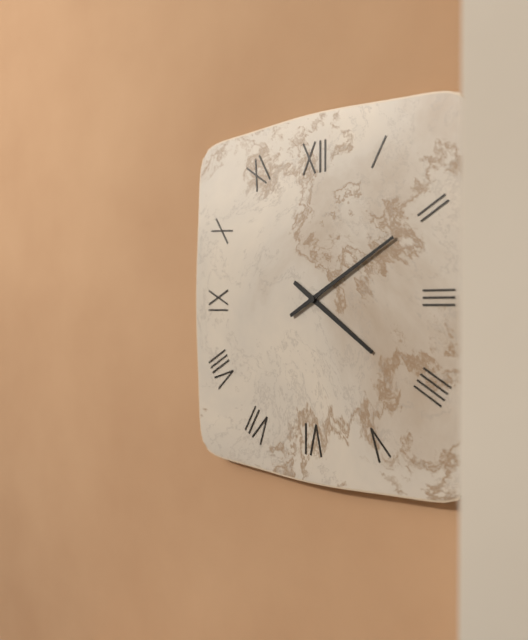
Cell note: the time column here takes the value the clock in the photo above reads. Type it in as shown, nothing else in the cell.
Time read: 4:10
